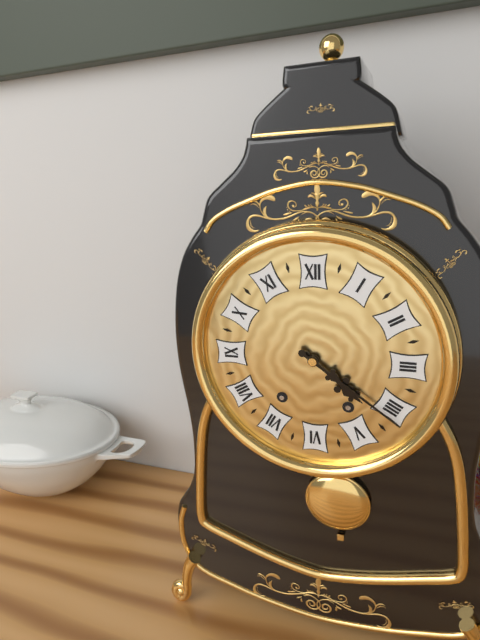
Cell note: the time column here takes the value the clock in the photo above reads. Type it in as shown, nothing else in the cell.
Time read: 4:21
